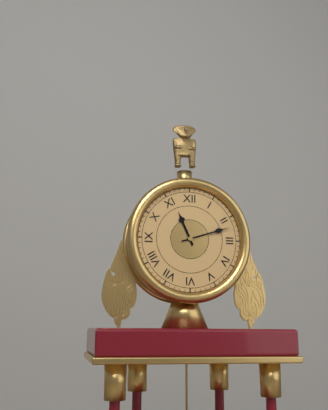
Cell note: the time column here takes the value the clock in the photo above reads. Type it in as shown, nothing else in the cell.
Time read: 11:12
